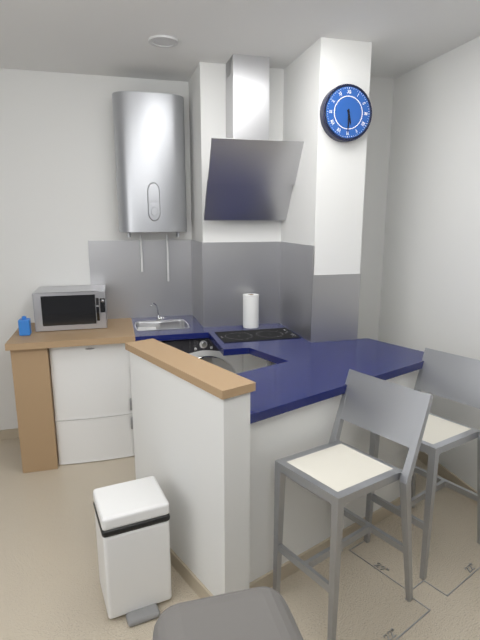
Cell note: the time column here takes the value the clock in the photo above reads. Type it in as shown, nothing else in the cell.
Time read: 5:30
